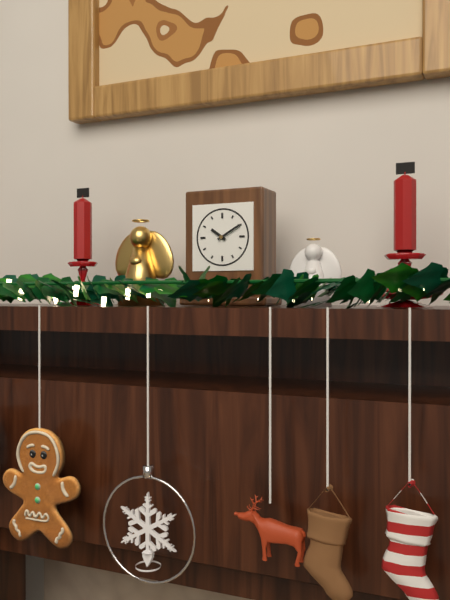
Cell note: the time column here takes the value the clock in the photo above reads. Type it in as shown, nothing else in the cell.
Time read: 10:10
